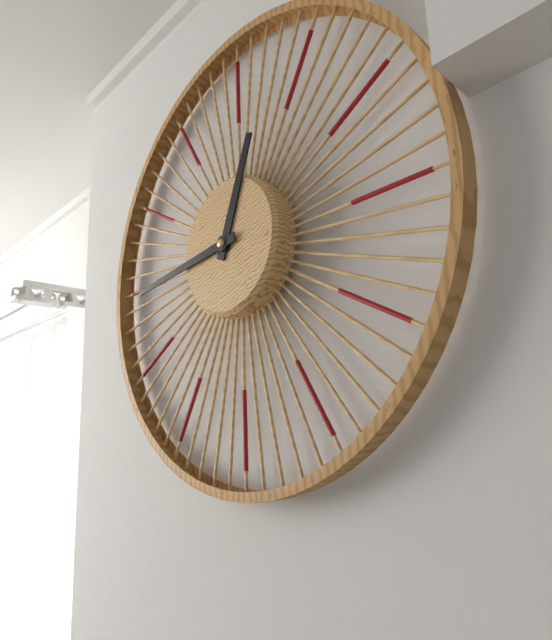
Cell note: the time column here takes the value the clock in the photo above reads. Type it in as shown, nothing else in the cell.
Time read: 12:44
